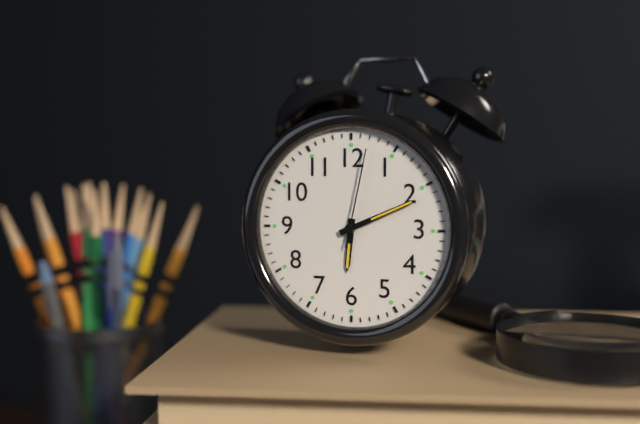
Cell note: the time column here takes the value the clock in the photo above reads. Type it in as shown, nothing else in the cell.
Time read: 6:11:02
